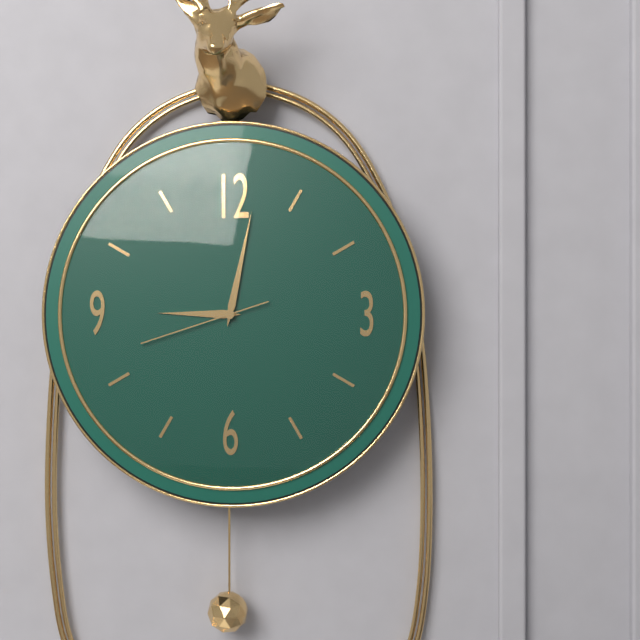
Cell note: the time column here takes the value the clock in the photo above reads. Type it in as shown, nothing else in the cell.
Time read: 9:02:42
